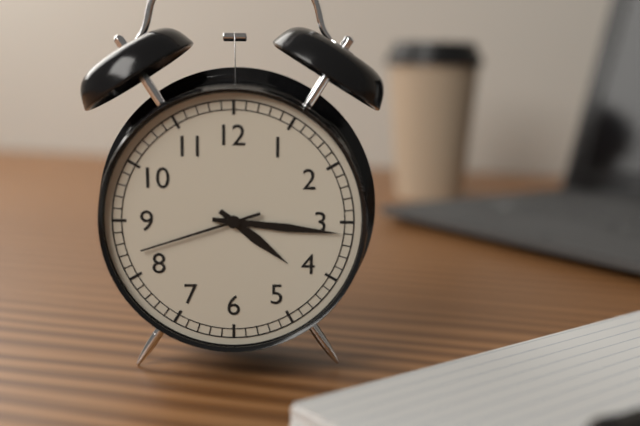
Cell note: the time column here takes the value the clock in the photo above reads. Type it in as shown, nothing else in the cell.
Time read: 4:16:42
